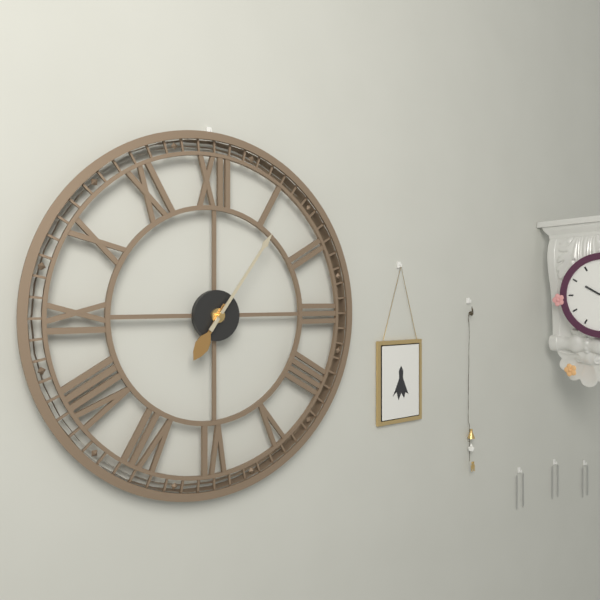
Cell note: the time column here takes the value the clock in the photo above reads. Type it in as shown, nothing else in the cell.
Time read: 7:06
